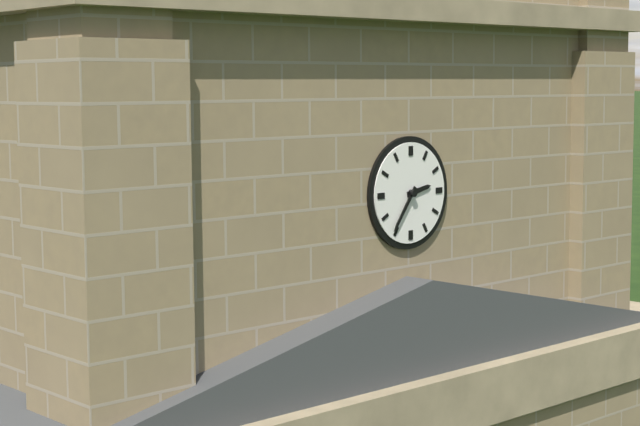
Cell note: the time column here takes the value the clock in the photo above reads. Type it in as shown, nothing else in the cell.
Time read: 2:36
